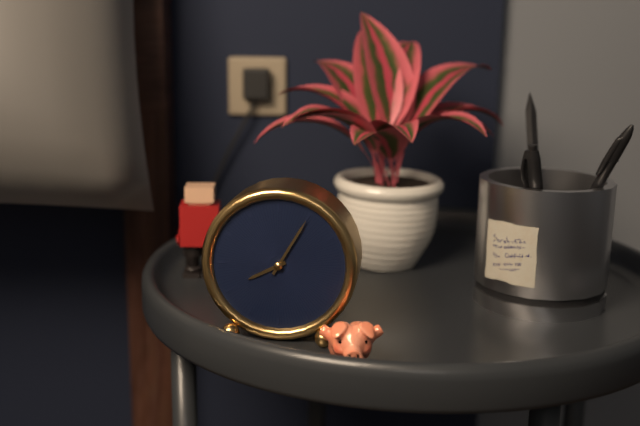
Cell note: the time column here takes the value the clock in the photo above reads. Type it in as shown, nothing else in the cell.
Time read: 8:05
